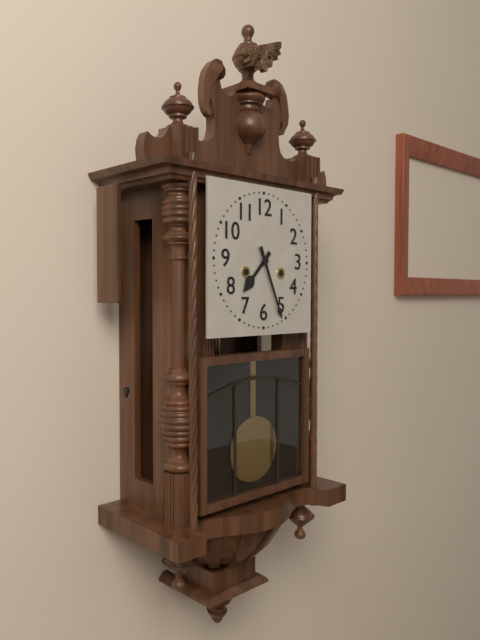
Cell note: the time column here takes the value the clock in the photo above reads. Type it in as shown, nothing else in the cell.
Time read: 7:26
